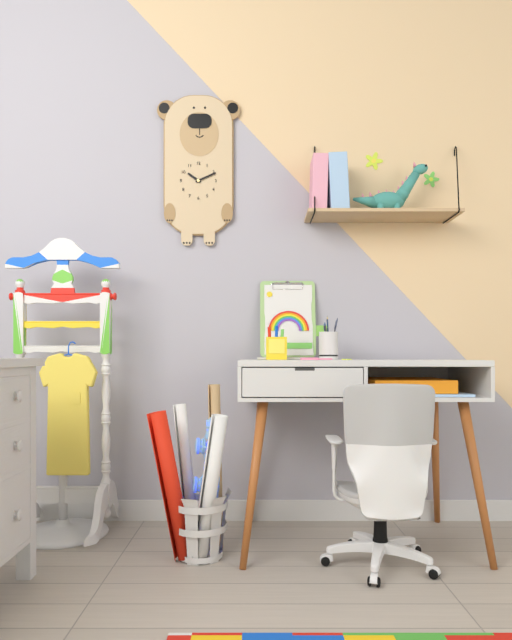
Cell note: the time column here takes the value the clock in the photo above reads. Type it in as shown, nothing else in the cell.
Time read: 10:11
